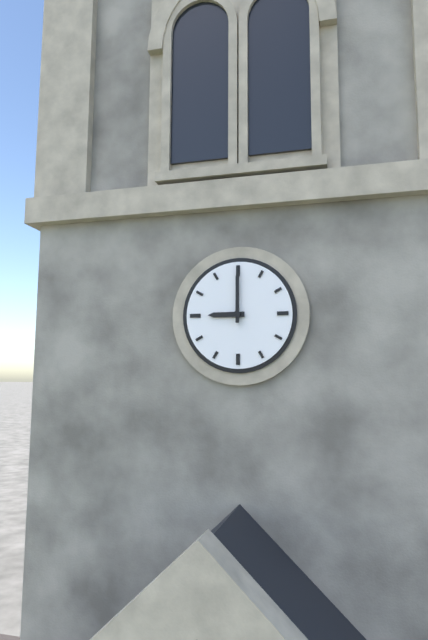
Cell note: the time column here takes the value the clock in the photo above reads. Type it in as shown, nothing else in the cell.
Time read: 9:00
